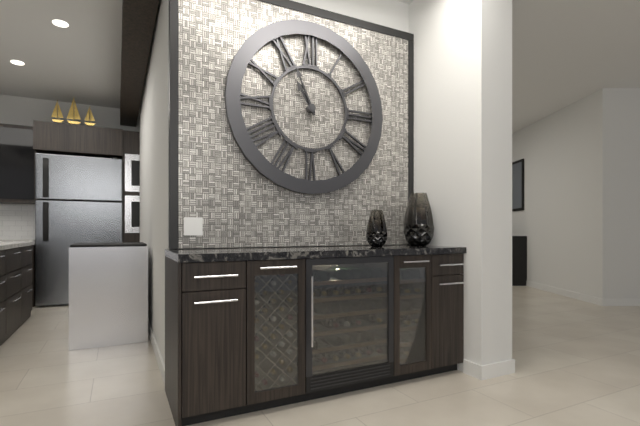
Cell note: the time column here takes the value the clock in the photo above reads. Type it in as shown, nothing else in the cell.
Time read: 10:56
